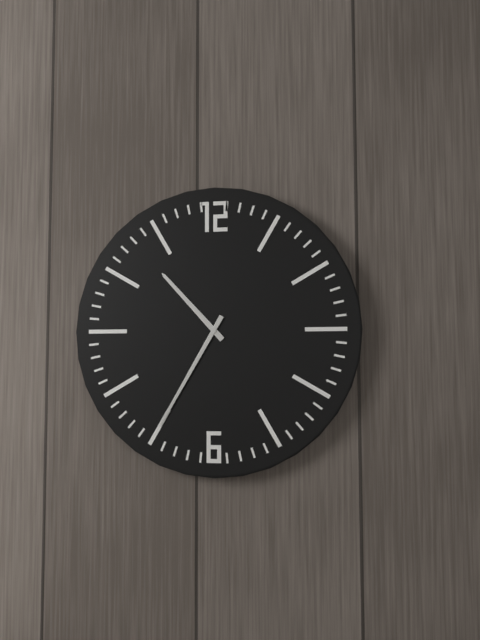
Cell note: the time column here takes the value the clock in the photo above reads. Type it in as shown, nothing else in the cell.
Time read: 10:35
